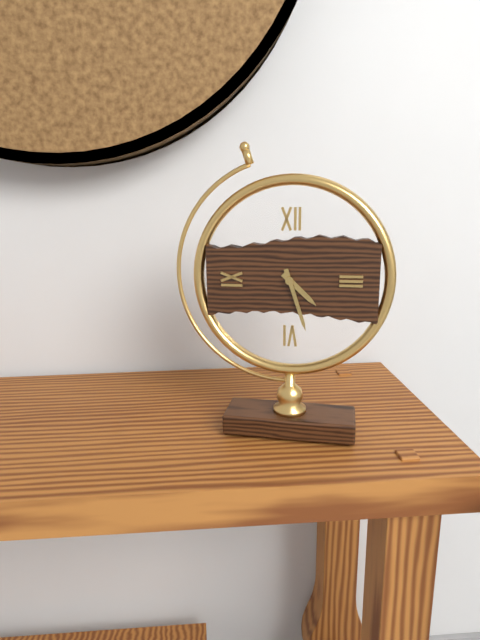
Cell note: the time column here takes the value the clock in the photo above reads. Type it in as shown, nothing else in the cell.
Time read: 4:27
